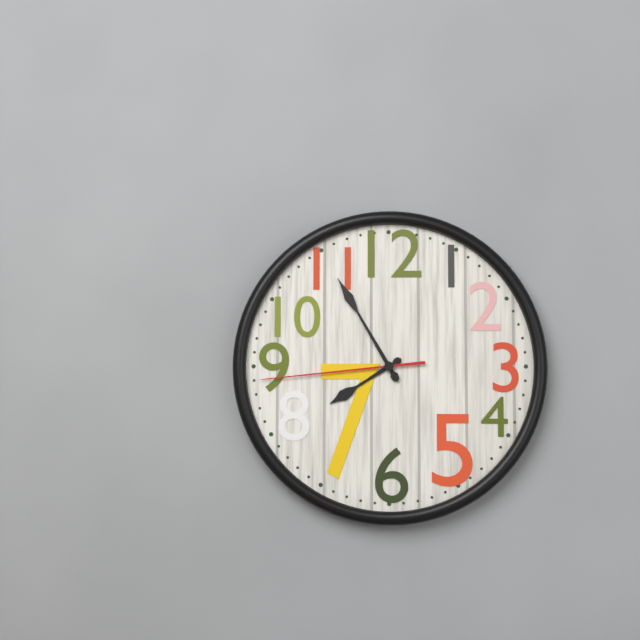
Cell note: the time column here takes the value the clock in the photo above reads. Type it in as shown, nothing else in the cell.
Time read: 7:55:44
